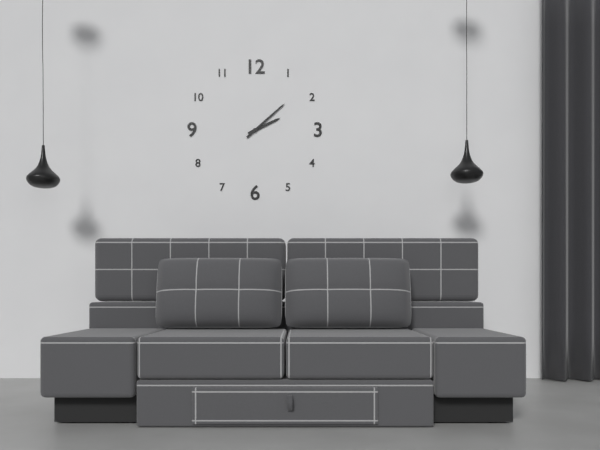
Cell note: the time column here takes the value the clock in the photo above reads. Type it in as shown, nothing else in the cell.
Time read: 2:08
